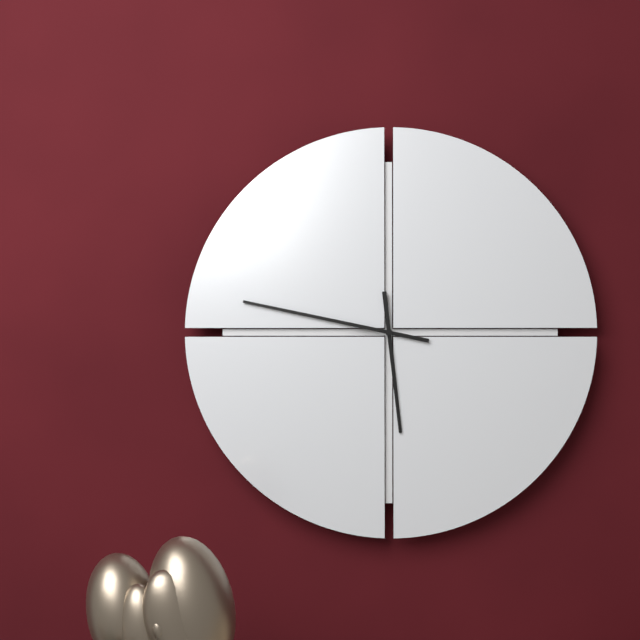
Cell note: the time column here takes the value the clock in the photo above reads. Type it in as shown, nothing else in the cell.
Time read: 5:47
